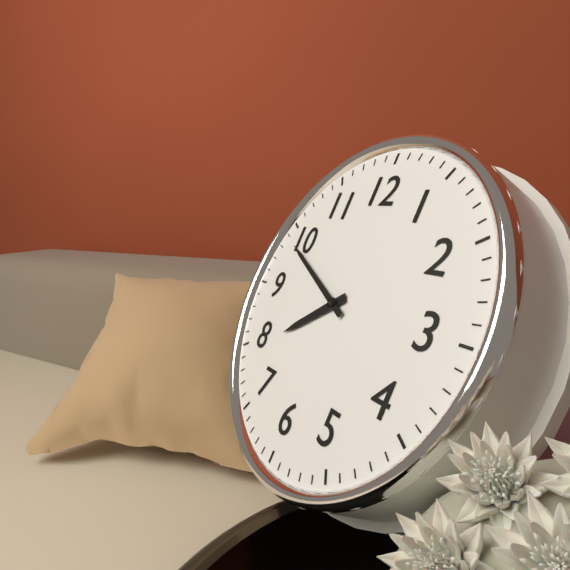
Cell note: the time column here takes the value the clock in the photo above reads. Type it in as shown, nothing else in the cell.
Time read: 7:49
